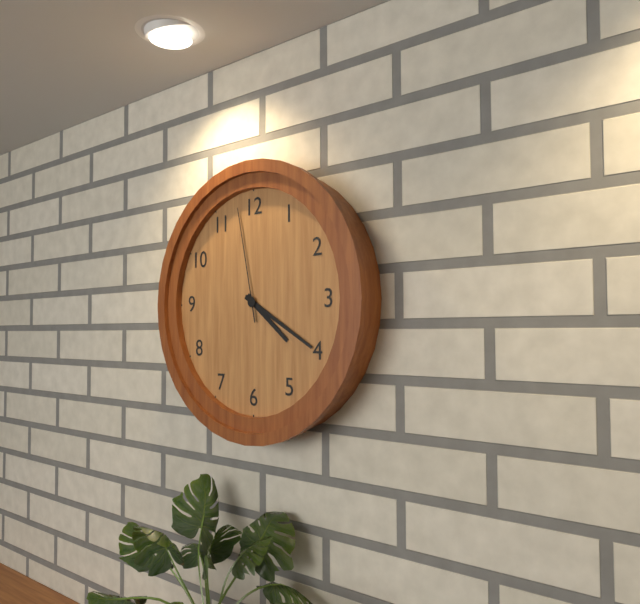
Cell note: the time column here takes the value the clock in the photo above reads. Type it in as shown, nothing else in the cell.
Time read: 4:20:58
